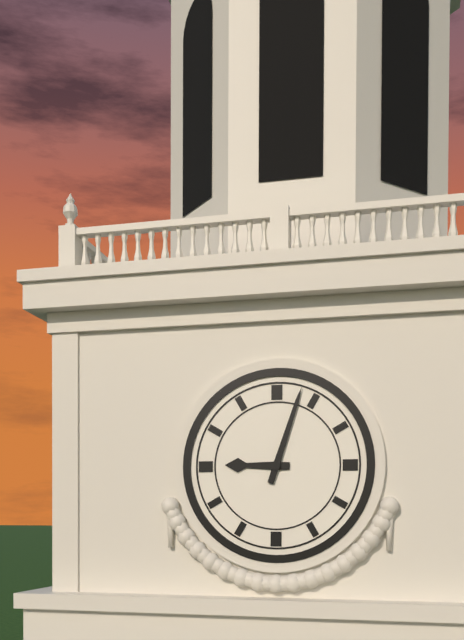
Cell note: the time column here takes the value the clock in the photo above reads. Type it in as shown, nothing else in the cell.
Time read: 9:03
